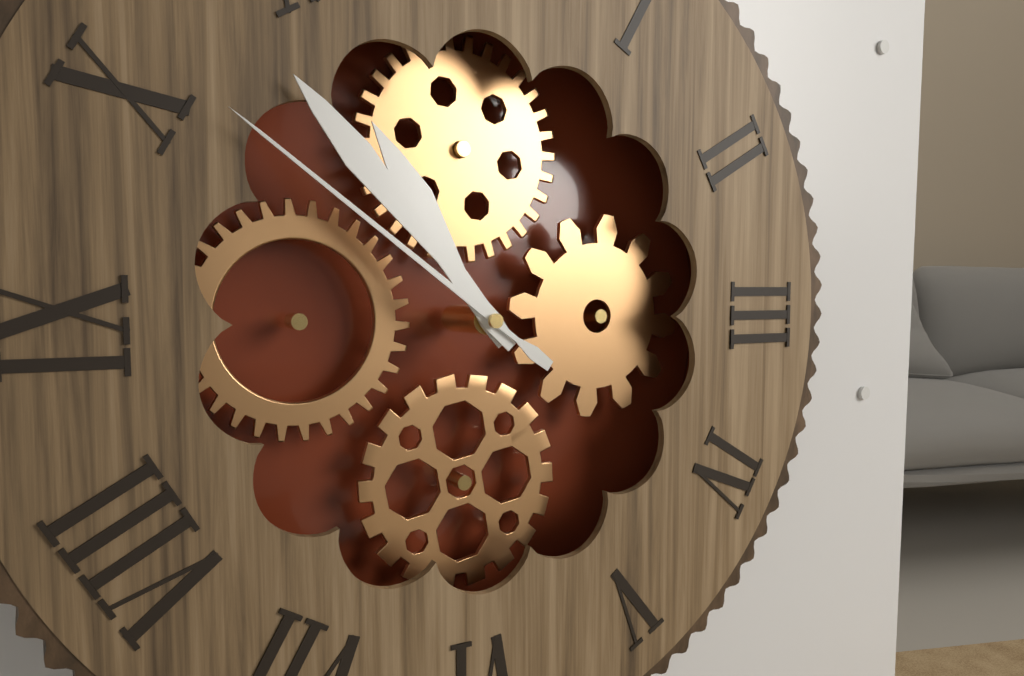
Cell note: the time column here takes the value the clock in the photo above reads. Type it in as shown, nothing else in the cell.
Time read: 10:53:51
